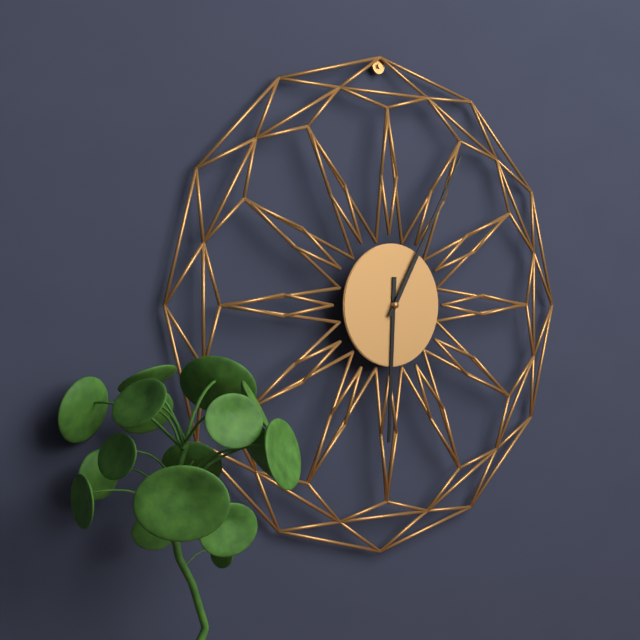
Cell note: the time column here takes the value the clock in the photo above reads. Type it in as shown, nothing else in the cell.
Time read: 6:05
